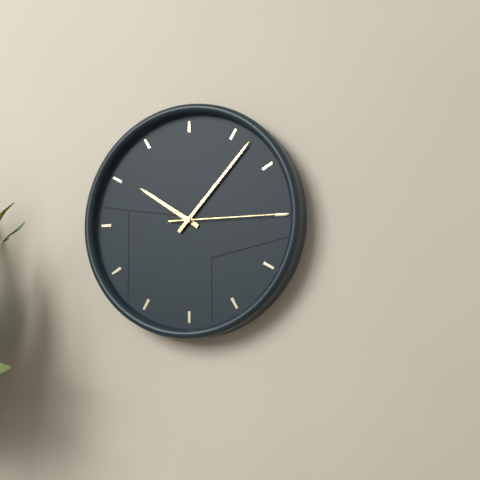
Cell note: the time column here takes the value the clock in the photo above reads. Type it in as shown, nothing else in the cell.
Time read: 10:07:15
